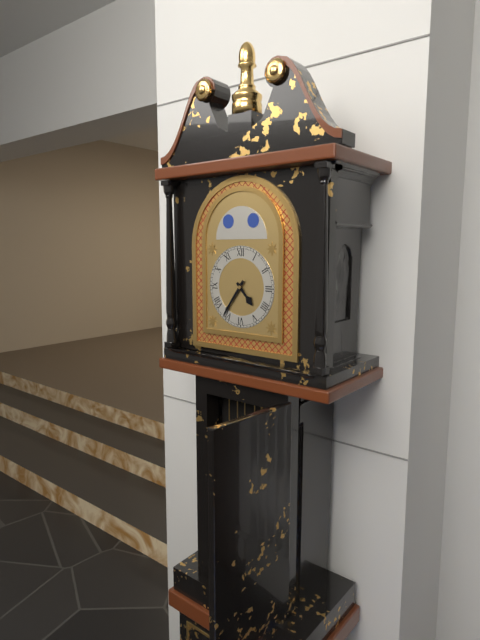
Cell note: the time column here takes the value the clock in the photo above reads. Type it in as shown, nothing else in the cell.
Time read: 4:36
